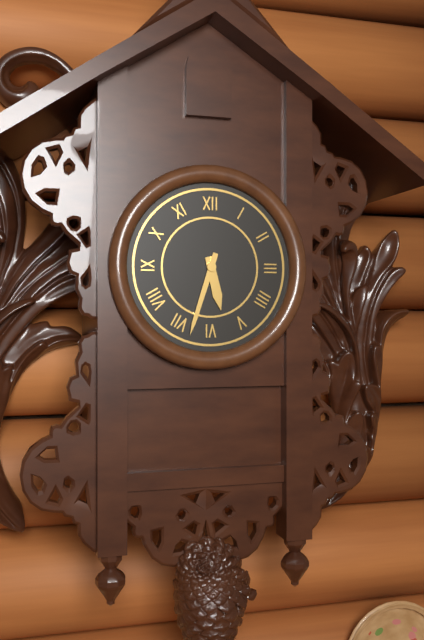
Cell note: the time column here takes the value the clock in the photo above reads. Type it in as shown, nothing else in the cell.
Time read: 5:33
